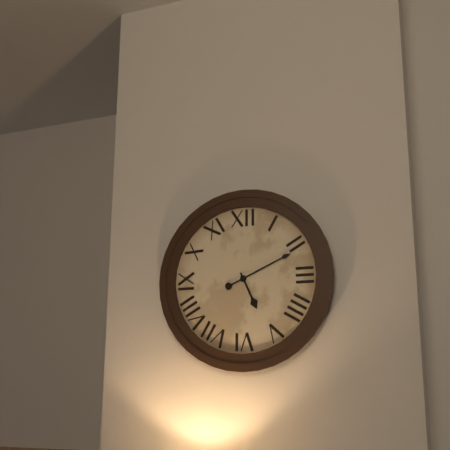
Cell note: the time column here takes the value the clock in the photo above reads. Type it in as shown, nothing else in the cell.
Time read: 5:11
